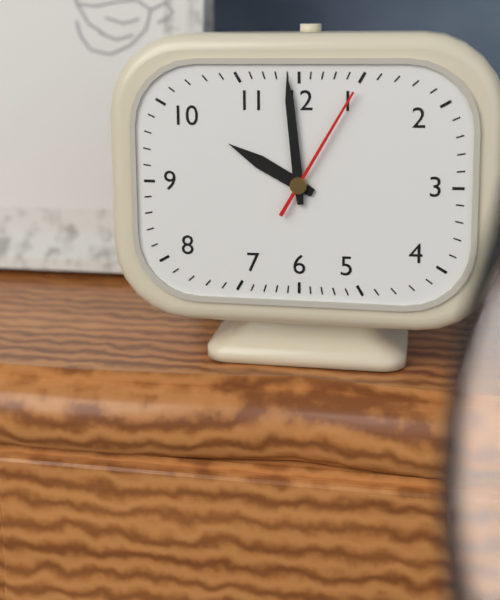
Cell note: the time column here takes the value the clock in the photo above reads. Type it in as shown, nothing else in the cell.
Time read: 9:59:05
